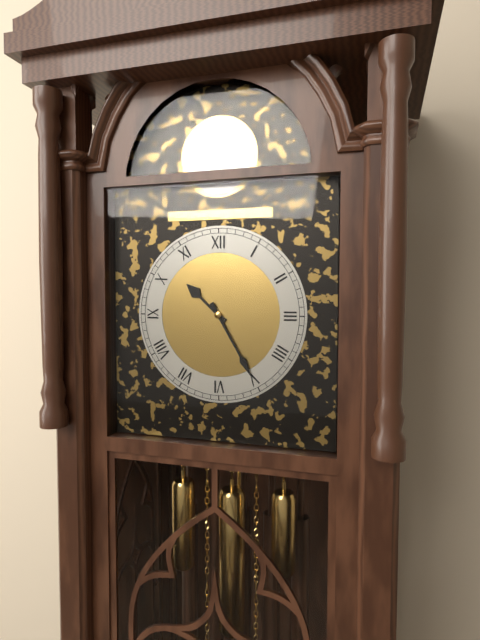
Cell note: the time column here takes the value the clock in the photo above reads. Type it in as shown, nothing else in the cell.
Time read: 10:25
